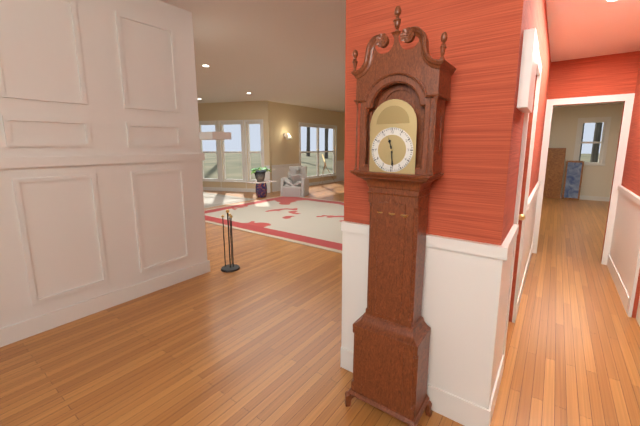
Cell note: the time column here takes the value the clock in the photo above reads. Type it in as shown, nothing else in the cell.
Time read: 11:29
